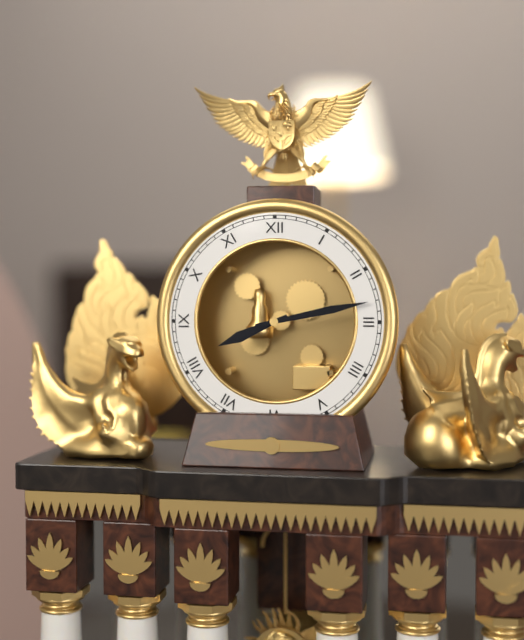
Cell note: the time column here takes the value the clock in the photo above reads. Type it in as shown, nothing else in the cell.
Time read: 8:13
